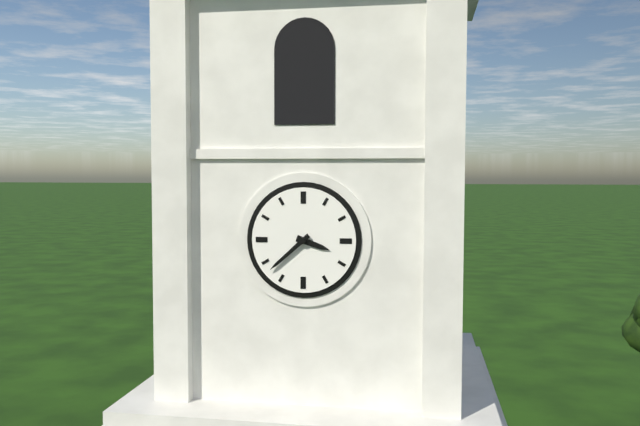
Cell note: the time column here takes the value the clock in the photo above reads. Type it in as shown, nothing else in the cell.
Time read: 3:38
